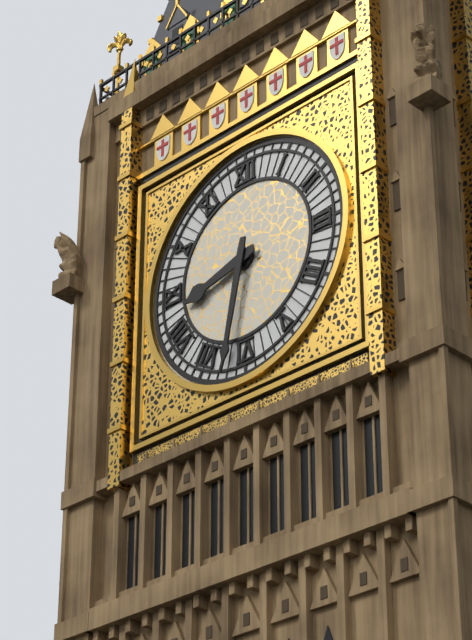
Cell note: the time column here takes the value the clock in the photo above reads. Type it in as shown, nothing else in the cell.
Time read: 8:32
